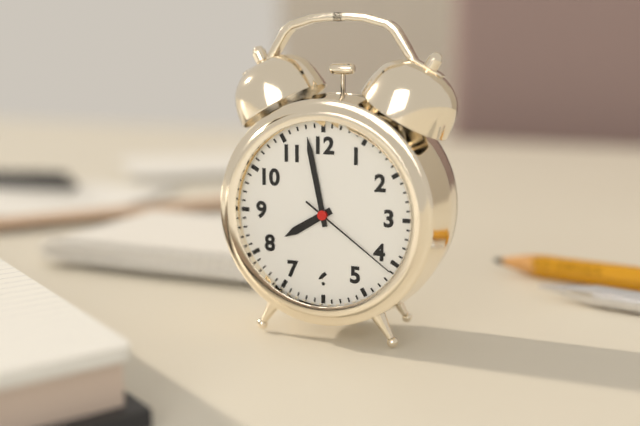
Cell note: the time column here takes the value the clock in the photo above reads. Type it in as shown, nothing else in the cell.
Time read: 7:58:21
